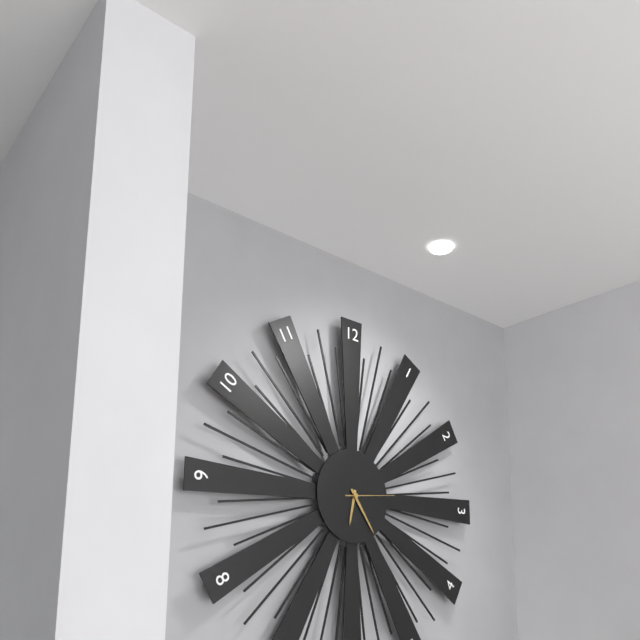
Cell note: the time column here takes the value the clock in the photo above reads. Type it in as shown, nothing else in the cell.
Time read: 6:24
